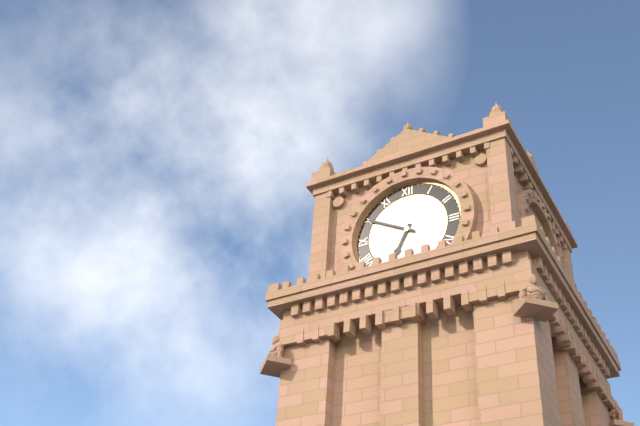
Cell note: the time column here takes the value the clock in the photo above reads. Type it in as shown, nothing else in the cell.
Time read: 6:50
